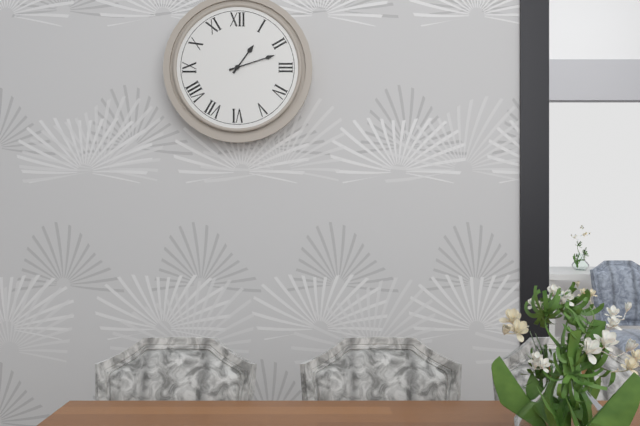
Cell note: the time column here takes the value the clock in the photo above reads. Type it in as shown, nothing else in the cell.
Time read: 1:12
